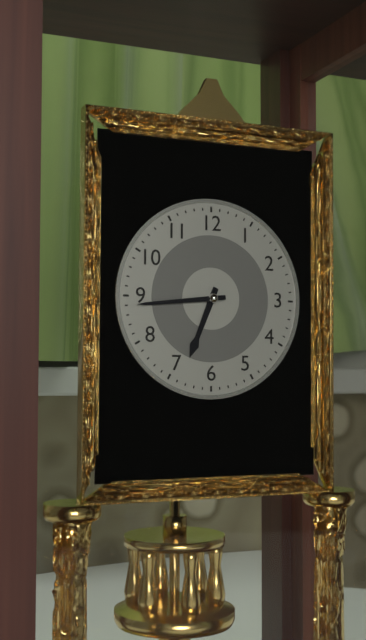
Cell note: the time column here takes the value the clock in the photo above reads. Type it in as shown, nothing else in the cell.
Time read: 6:44
